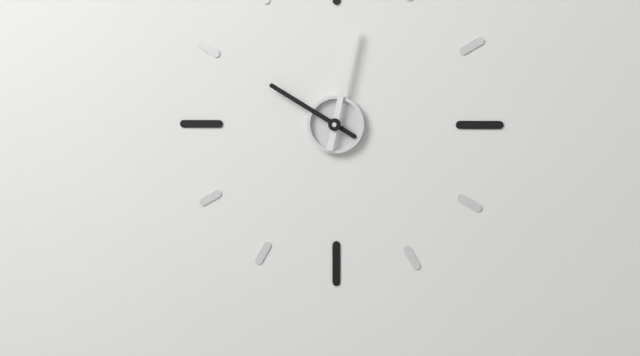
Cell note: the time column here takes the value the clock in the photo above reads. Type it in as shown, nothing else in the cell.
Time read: 10:02
